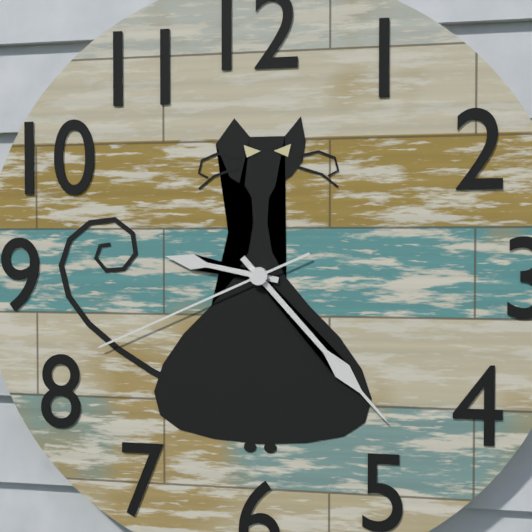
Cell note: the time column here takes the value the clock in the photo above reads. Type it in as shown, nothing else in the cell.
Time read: 9:23:41
